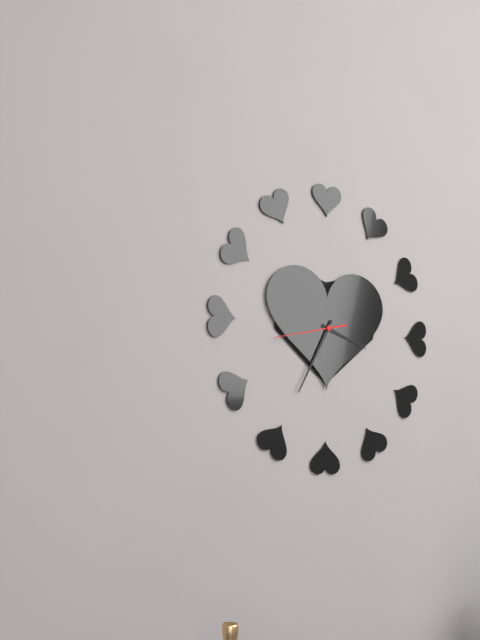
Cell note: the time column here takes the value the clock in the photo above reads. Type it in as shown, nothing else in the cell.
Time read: 3:35:43
